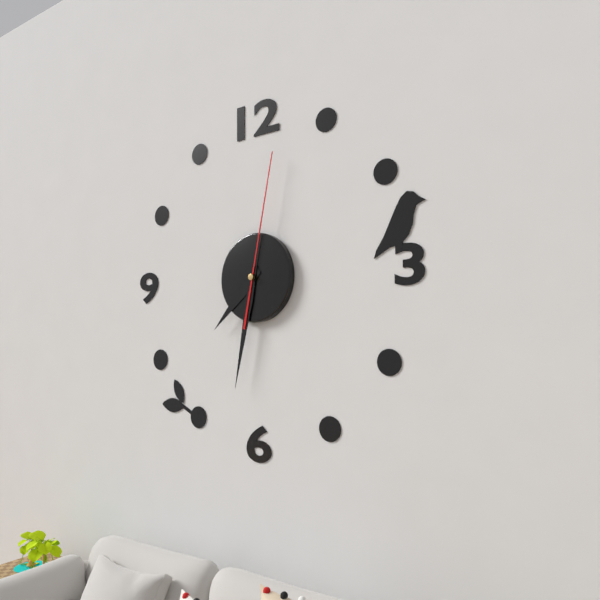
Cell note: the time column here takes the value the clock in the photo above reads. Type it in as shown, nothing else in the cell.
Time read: 7:32:02
